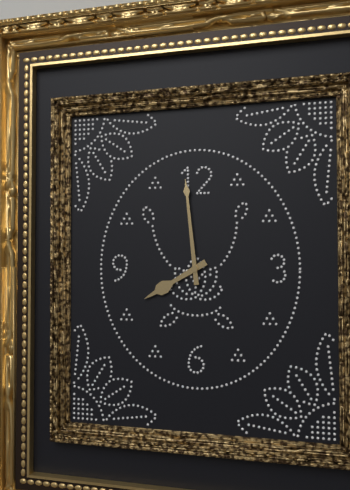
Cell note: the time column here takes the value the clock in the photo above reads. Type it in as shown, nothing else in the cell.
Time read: 7:59
